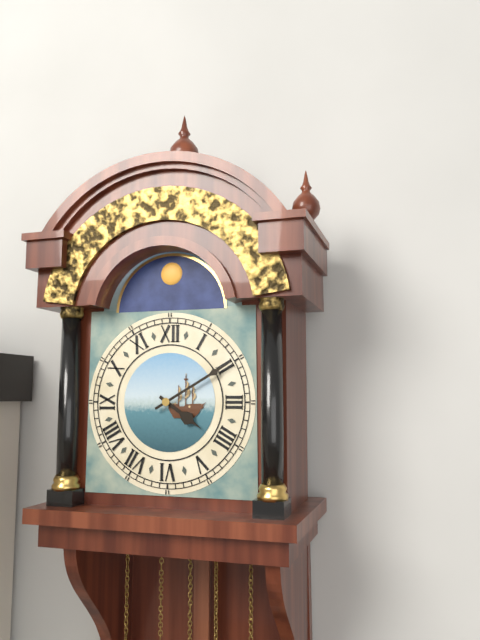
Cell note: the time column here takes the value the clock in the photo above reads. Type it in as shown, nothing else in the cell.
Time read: 4:10
